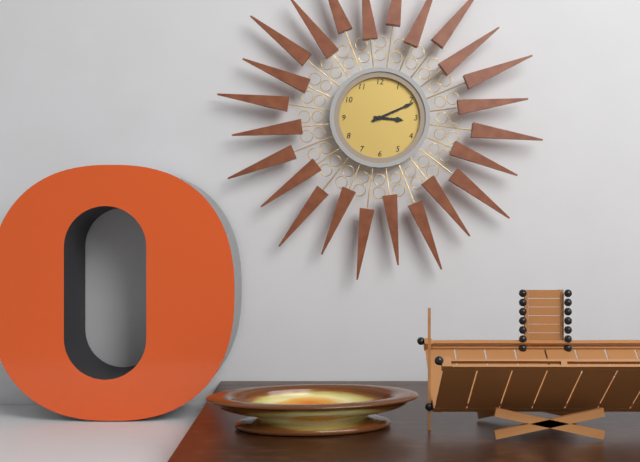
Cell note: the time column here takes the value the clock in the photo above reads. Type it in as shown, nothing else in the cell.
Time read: 3:11
